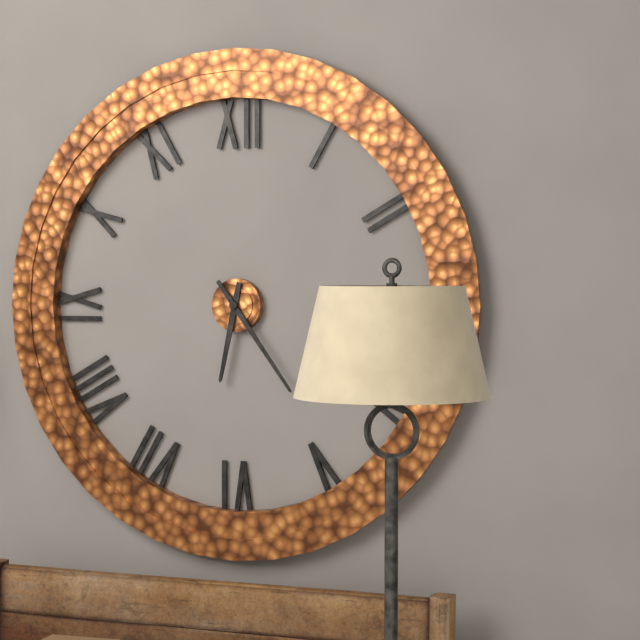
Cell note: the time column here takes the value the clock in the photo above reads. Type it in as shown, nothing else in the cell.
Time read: 6:24
